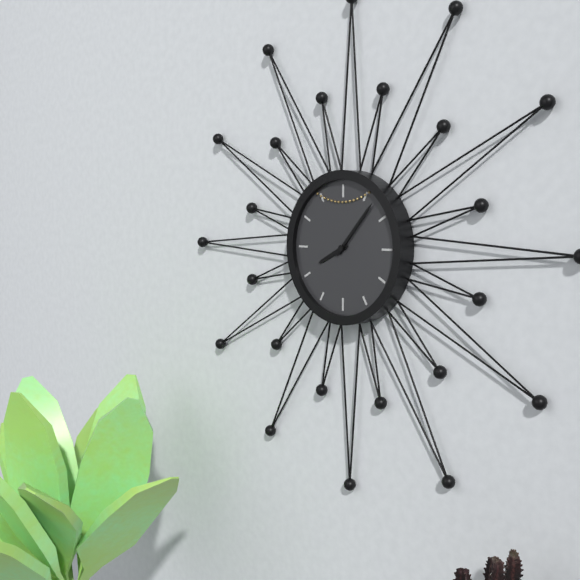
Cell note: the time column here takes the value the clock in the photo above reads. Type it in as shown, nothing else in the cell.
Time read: 8:07
